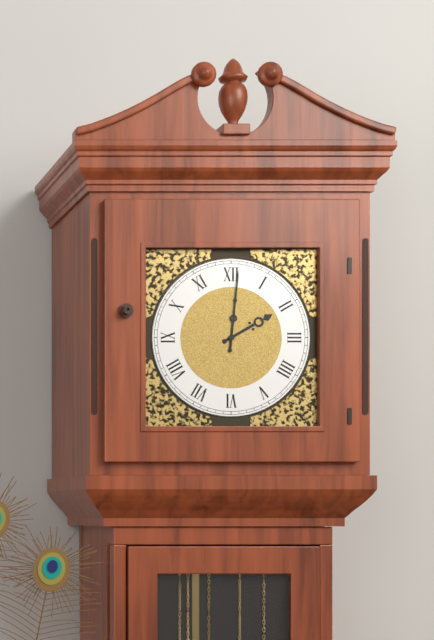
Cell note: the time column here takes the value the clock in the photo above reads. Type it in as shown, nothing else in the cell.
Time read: 2:01
